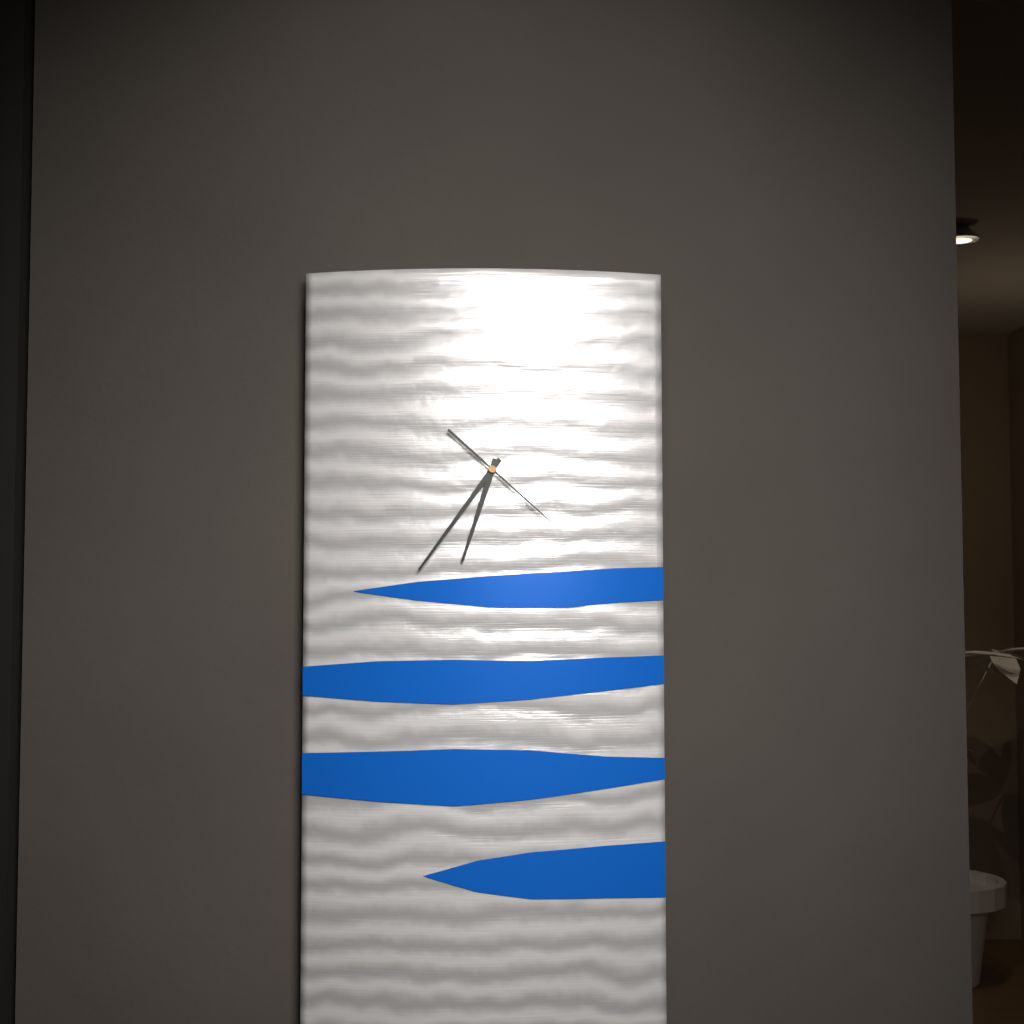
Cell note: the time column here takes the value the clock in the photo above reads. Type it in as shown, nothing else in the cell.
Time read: 6:36:22
